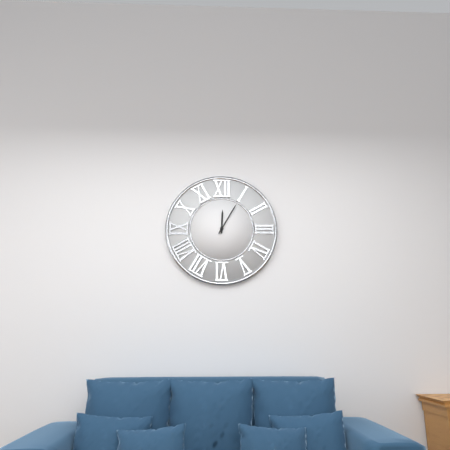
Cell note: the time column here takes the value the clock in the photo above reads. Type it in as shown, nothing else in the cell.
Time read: 12:05
